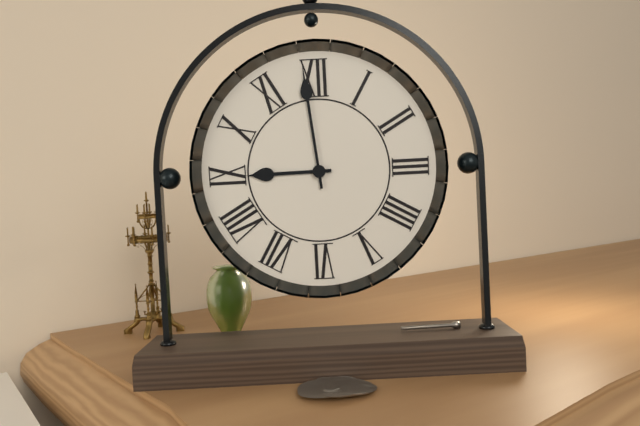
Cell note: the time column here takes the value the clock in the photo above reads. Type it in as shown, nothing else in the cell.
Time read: 8:59
